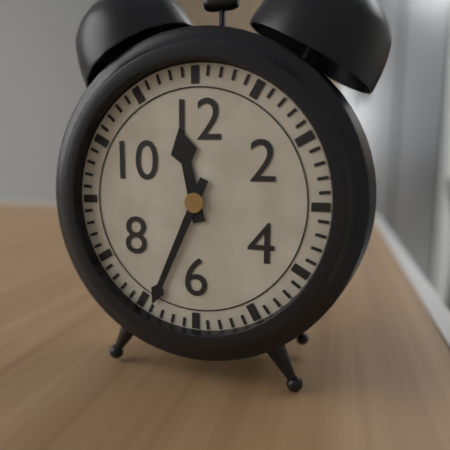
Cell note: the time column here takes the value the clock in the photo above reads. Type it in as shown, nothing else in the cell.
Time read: 11:34
